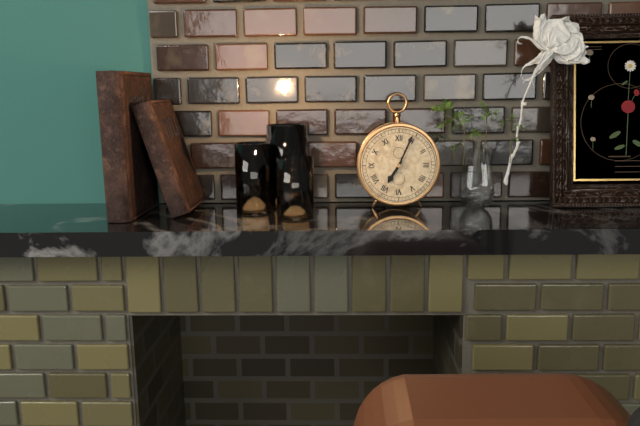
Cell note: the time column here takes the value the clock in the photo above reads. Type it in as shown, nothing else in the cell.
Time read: 7:04
